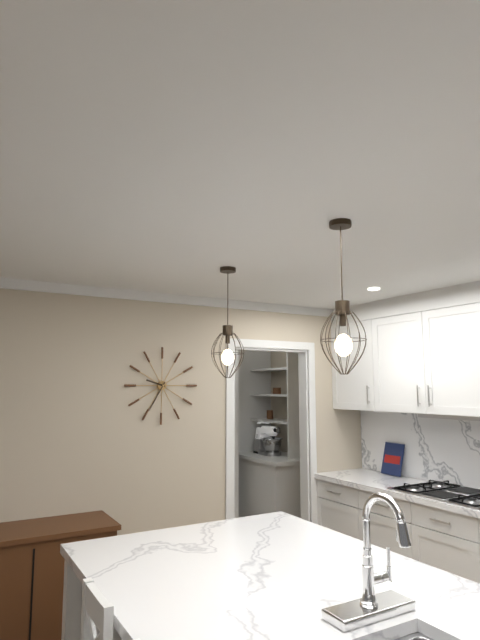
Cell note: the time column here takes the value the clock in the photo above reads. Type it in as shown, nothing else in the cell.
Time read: 9:35
